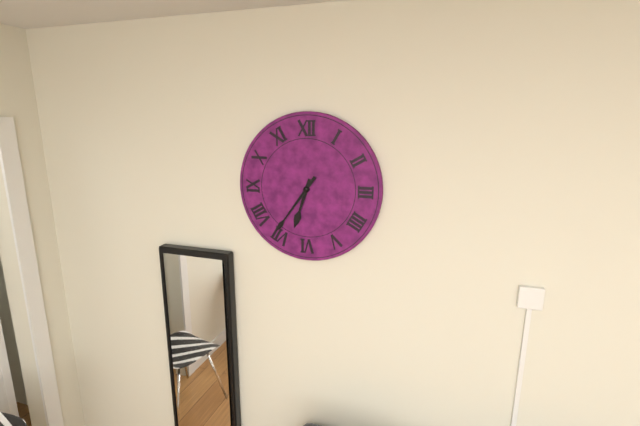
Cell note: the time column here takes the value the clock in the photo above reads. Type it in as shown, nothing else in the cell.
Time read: 6:36
